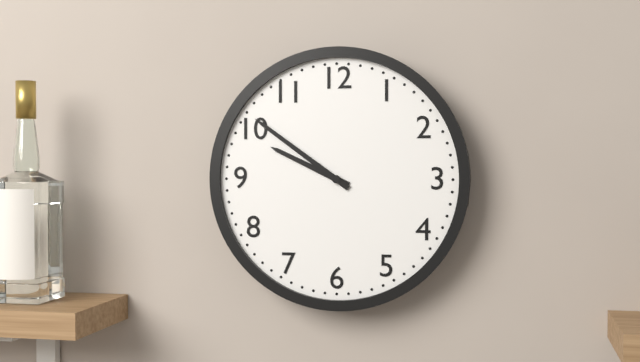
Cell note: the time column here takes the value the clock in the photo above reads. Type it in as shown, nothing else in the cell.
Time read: 9:51
